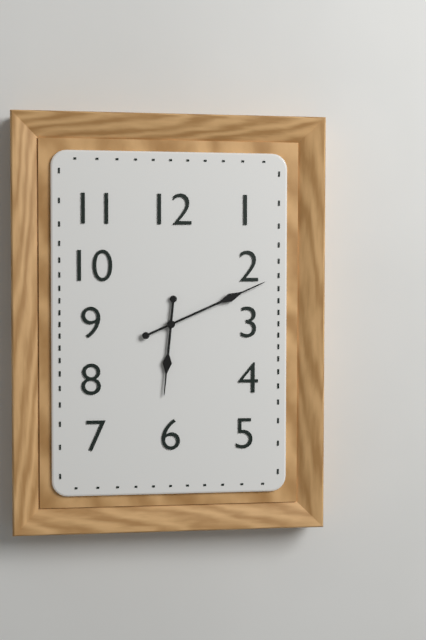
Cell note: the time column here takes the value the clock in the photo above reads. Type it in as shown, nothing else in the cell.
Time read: 6:11
